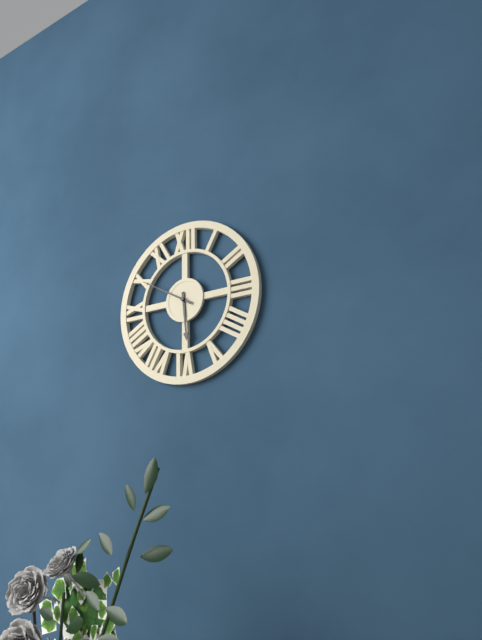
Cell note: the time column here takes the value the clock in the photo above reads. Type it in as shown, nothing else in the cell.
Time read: 5:50
